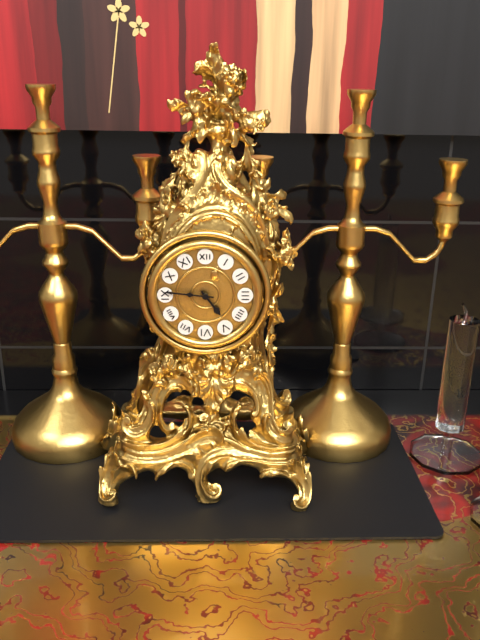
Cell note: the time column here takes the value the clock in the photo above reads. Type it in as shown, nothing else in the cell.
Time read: 4:46
